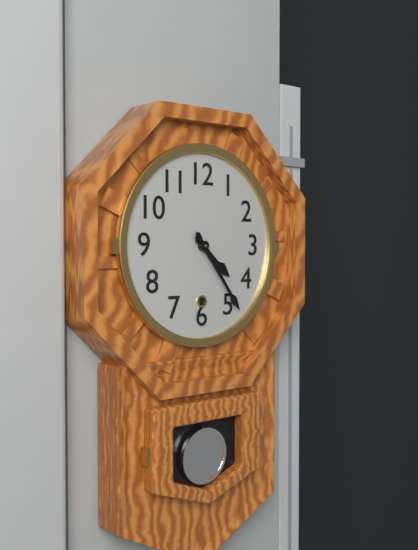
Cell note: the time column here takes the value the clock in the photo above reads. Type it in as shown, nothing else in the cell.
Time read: 4:24
